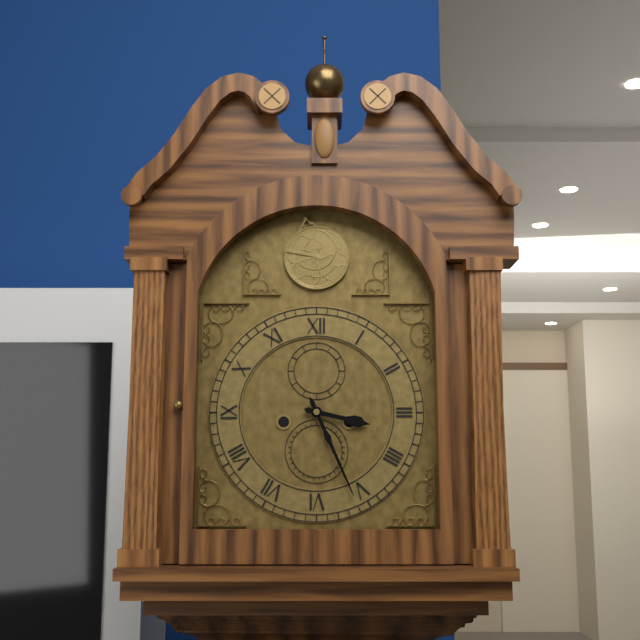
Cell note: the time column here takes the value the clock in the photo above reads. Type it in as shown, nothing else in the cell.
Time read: 3:26
